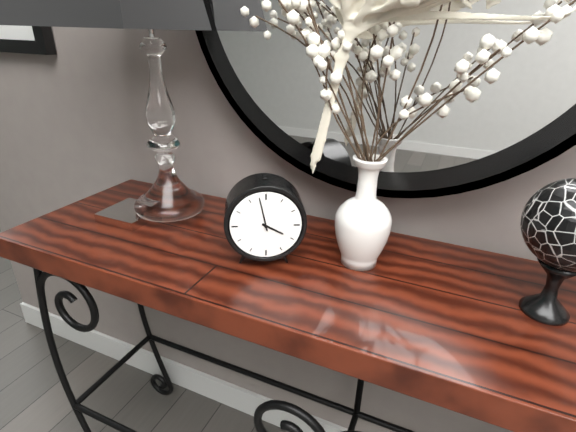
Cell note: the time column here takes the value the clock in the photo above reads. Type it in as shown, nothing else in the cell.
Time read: 3:58
